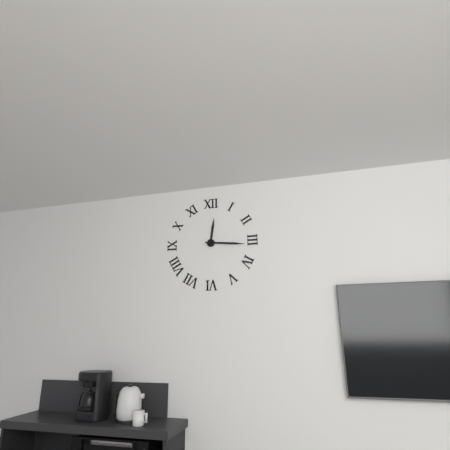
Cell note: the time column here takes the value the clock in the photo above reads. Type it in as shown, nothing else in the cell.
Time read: 12:16
